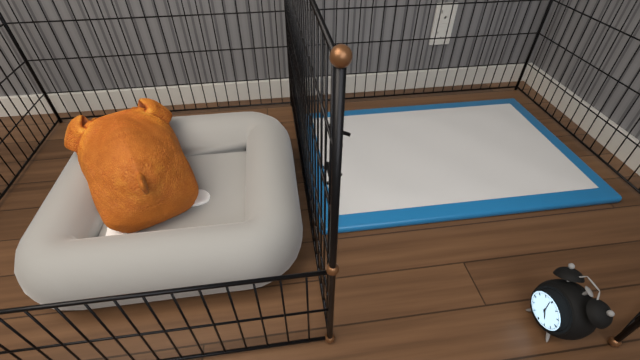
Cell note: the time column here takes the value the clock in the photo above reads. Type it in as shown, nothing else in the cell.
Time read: 4:59
